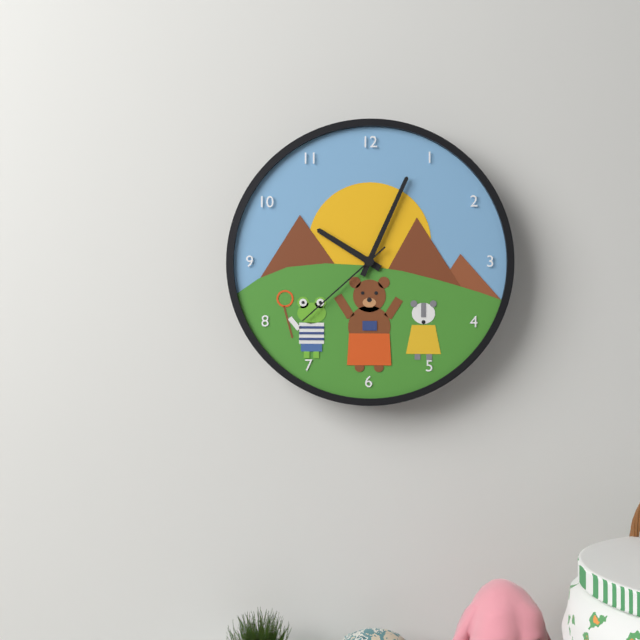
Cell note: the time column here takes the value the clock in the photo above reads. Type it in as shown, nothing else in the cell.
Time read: 10:04:38
